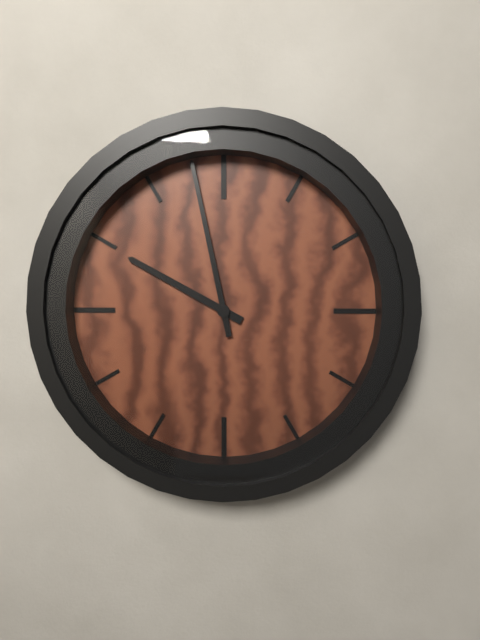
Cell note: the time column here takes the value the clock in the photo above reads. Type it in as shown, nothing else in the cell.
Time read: 9:58
